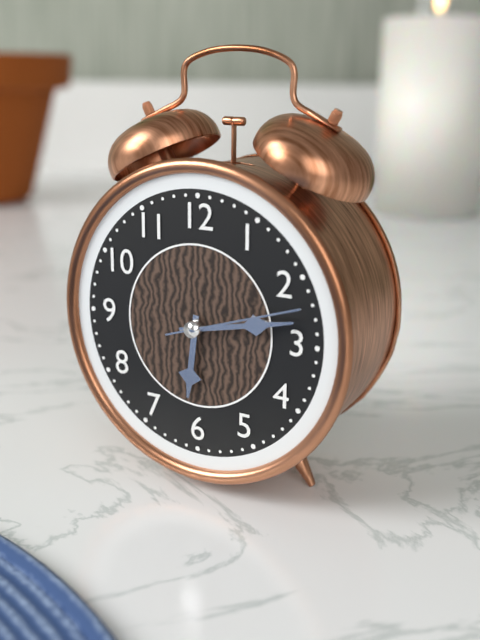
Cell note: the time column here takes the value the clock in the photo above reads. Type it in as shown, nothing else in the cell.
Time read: 6:13:12
